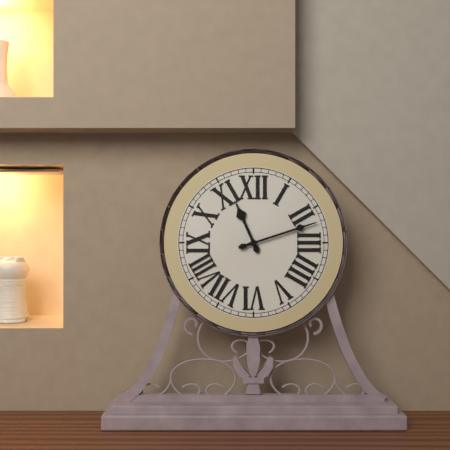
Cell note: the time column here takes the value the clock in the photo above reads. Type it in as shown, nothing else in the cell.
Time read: 11:12
